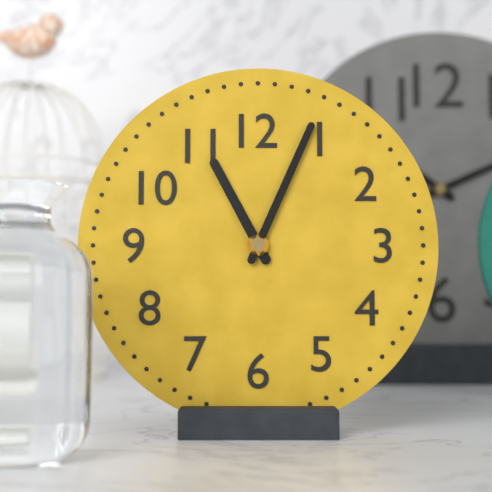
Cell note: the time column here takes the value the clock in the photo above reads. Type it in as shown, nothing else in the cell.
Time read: 11:04
